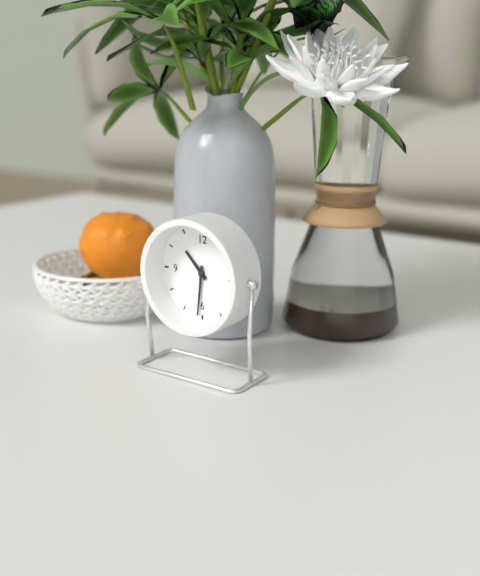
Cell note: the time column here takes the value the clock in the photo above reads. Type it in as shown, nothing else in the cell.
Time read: 10:31
